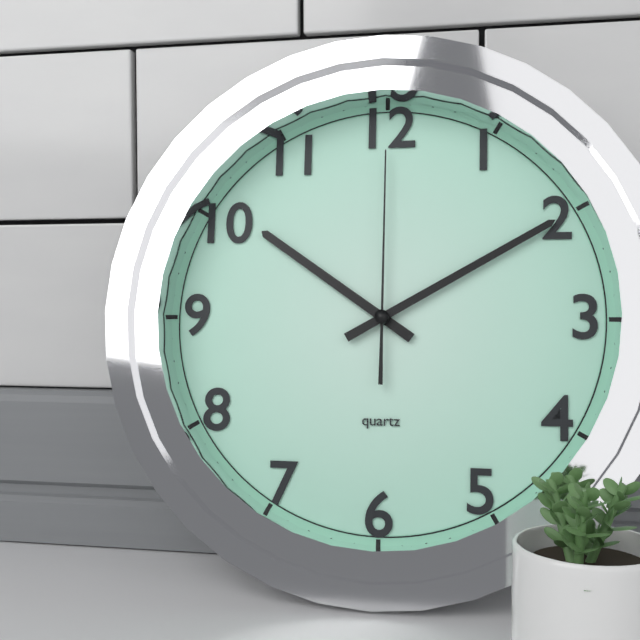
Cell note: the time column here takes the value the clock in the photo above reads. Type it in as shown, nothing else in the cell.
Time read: 10:10:00
